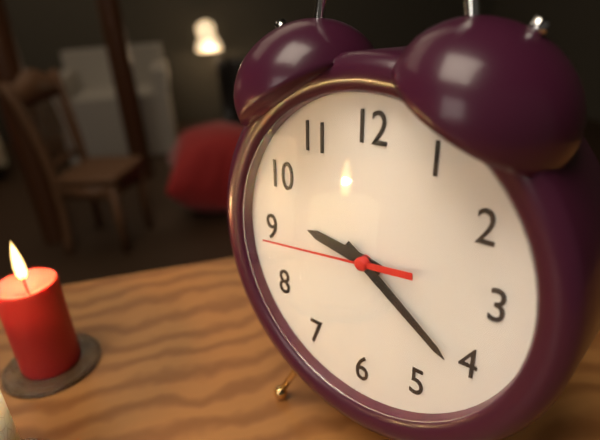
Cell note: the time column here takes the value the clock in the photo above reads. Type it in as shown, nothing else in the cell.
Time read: 9:21:44
